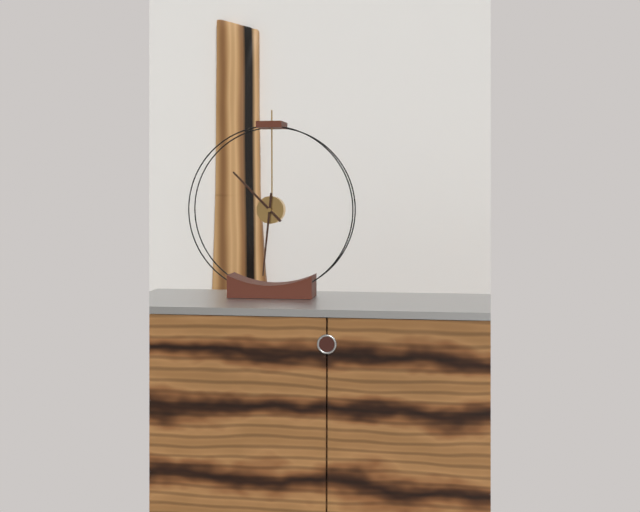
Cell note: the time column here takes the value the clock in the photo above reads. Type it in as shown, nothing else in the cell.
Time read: 10:31
